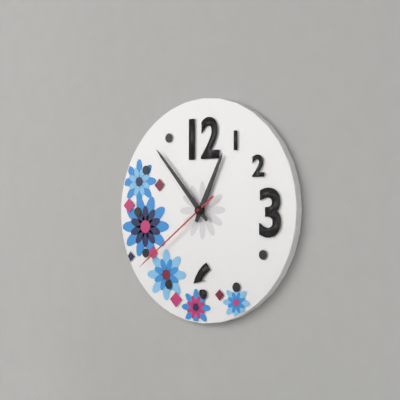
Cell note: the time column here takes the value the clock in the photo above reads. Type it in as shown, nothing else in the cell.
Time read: 12:53:39
